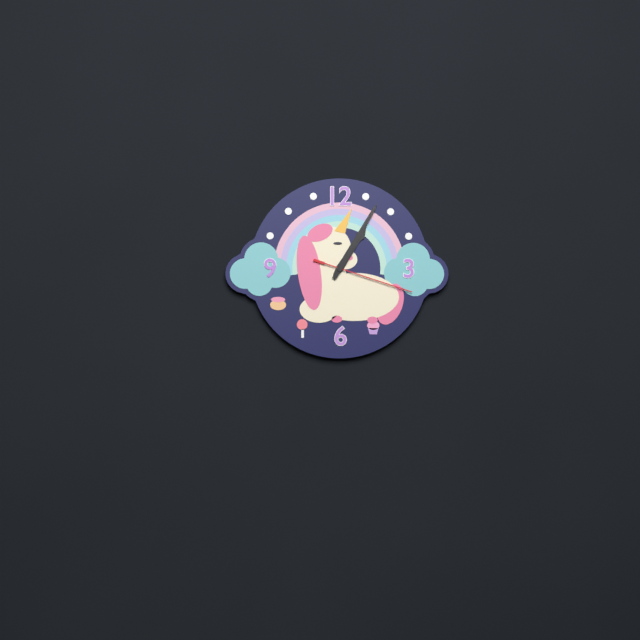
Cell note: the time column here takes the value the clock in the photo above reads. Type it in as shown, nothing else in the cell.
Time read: 1:05:18
